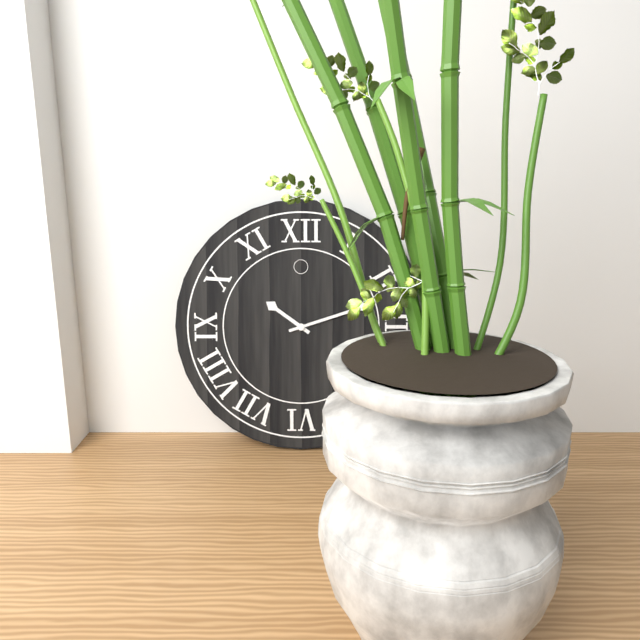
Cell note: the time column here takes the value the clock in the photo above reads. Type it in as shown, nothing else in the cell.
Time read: 10:12
